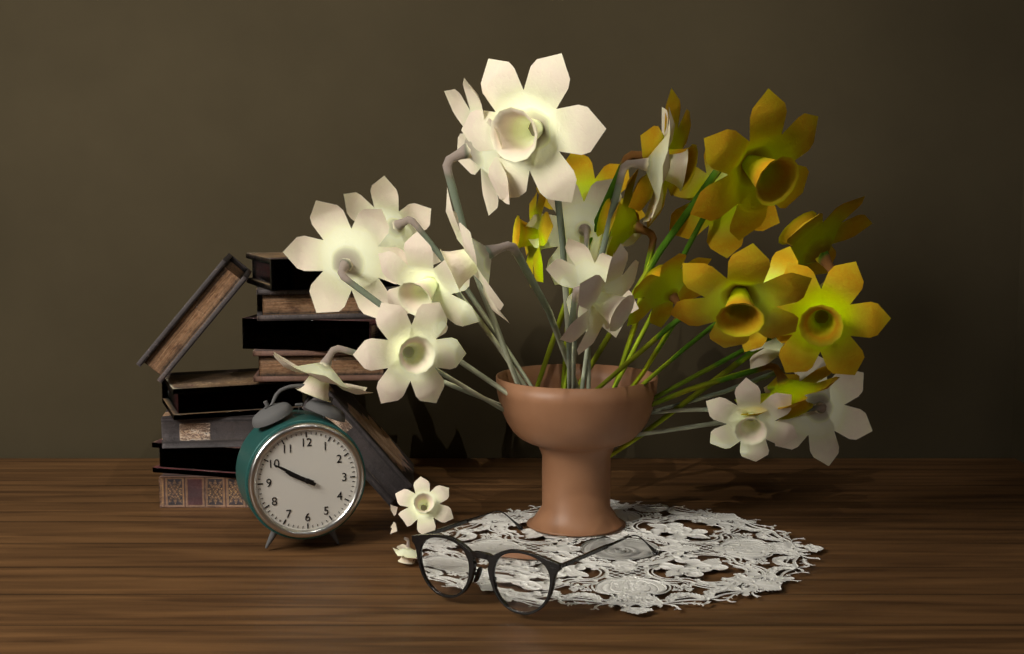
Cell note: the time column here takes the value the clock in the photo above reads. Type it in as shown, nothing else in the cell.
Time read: 9:50
